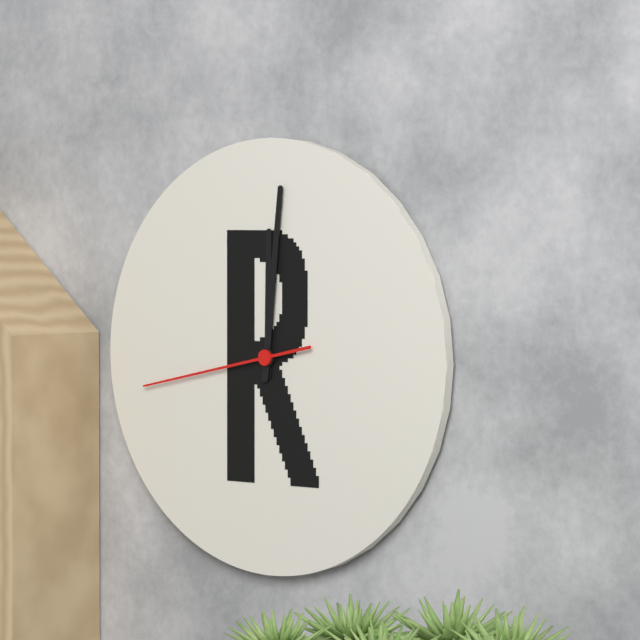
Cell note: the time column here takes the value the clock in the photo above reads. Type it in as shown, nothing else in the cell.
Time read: 12:01:43
